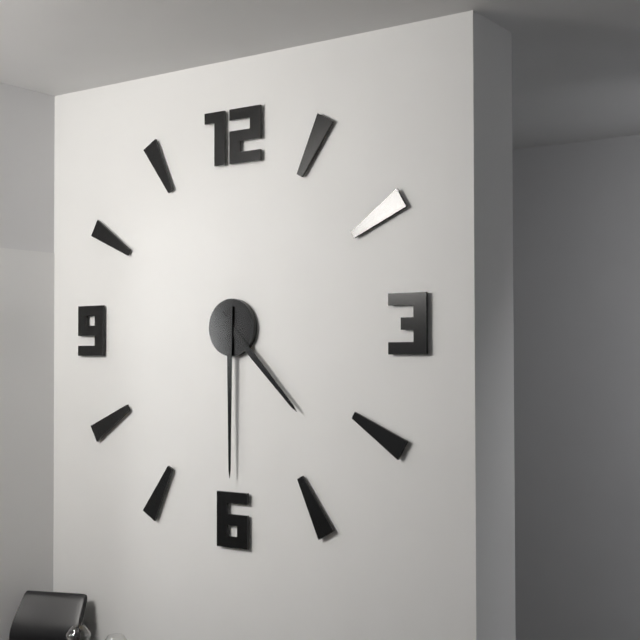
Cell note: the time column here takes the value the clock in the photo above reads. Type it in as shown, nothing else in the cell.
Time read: 4:30
